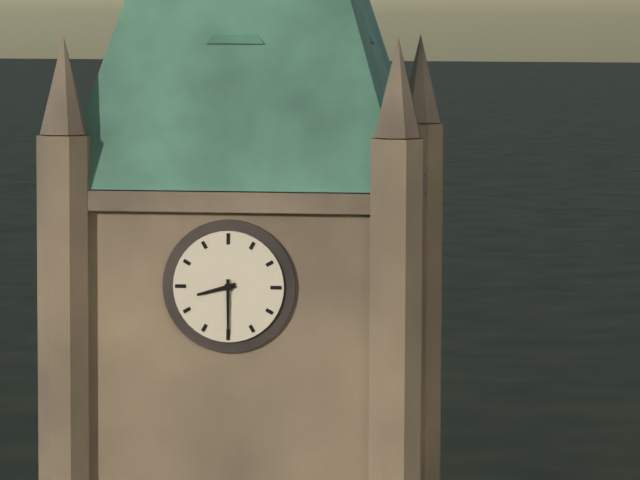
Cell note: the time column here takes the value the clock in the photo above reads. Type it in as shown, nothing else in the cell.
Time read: 8:30
